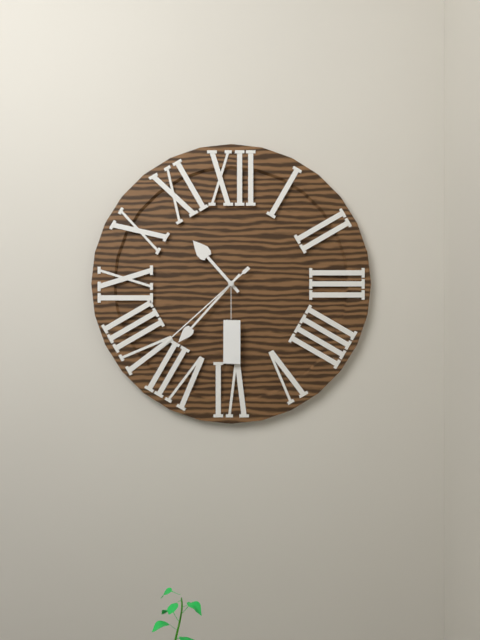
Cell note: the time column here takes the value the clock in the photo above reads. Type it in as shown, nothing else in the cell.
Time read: 10:37:38
